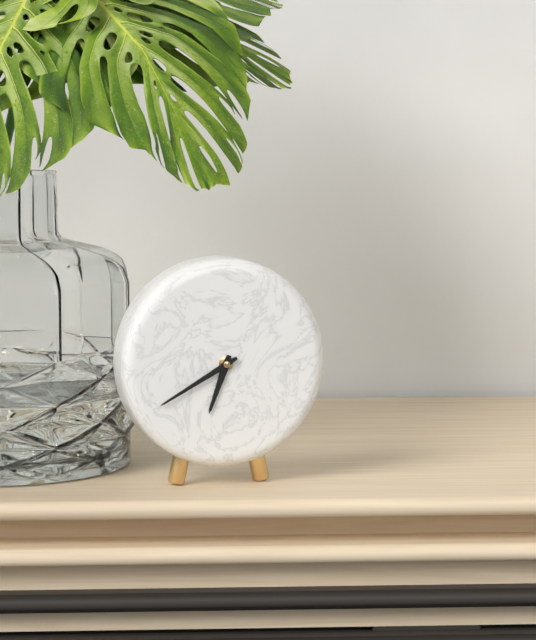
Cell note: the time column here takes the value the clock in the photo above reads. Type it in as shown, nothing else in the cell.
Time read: 6:40
